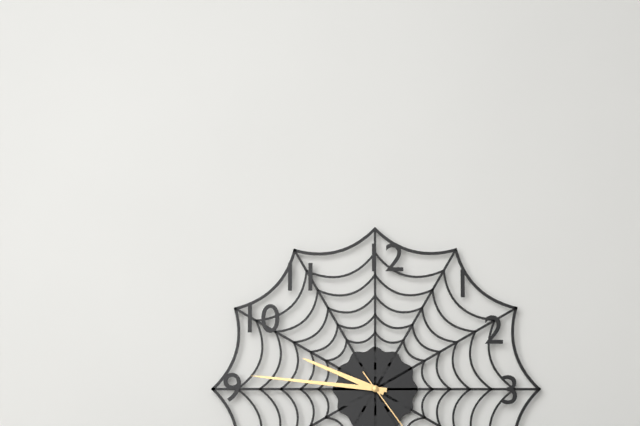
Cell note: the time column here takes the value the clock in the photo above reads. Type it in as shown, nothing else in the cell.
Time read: 9:46
